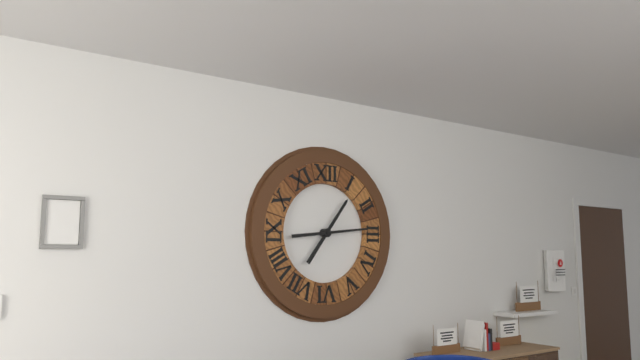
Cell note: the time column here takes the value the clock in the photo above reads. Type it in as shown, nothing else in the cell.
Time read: 1:14
